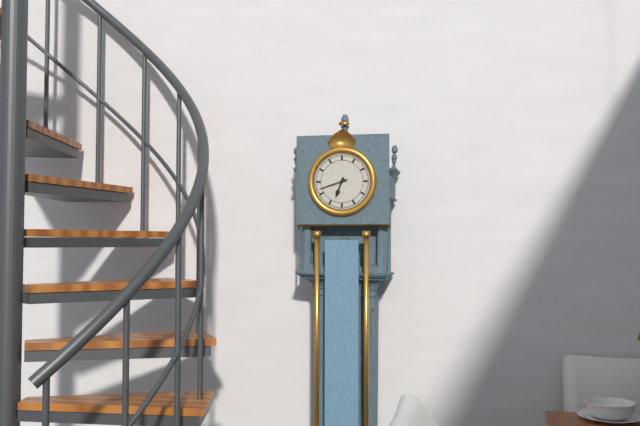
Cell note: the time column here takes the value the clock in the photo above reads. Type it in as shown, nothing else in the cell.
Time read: 6:42
